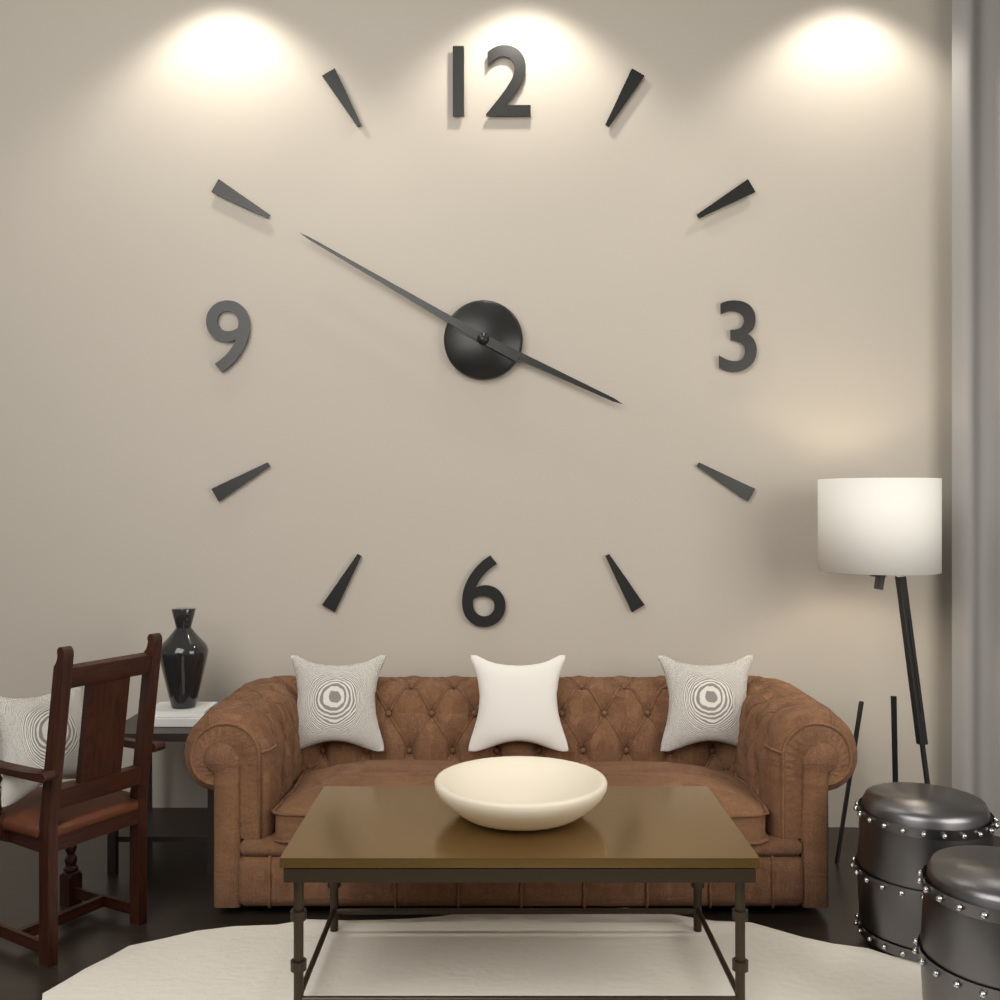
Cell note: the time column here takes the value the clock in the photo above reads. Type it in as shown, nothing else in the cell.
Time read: 3:50
